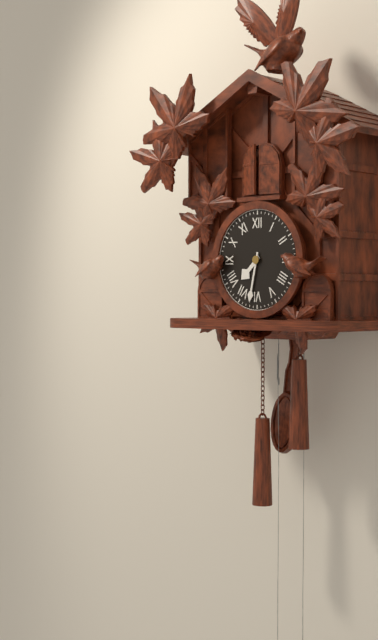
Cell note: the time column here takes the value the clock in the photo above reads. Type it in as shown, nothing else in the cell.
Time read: 7:32
